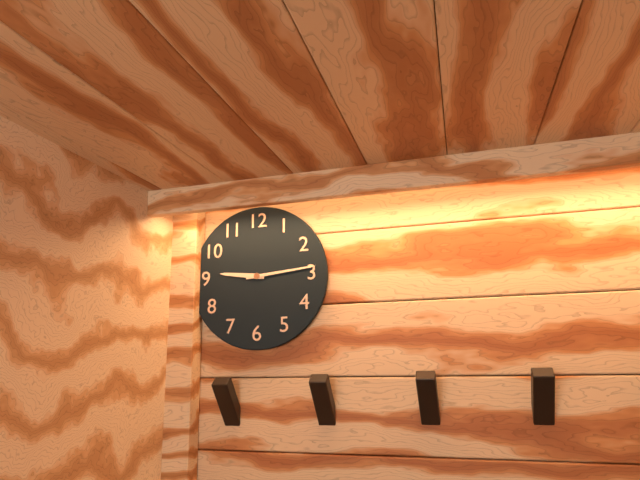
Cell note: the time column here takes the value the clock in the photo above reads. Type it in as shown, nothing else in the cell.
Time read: 9:14
